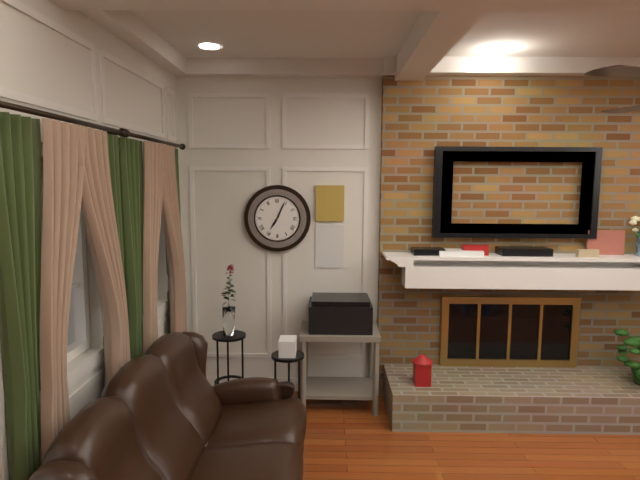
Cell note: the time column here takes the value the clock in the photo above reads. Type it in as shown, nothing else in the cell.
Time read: 7:04
